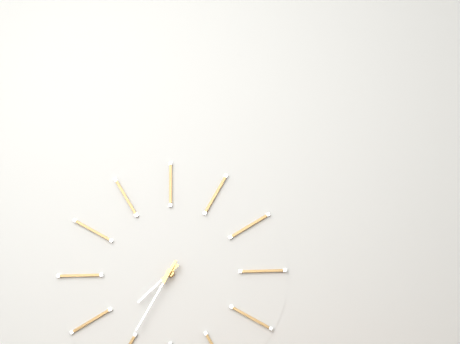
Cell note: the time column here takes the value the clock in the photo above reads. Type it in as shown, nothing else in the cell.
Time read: 7:35
